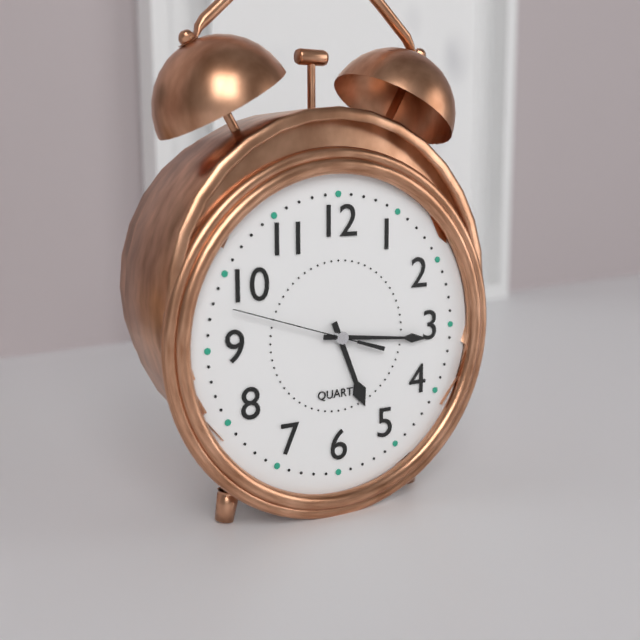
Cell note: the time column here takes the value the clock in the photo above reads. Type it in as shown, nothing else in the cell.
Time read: 5:16:48
